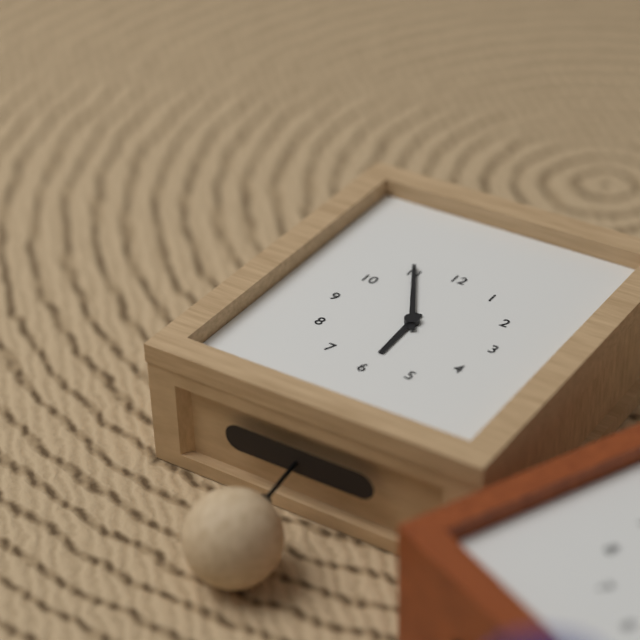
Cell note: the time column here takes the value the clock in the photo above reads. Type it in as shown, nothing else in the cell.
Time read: 5:55
